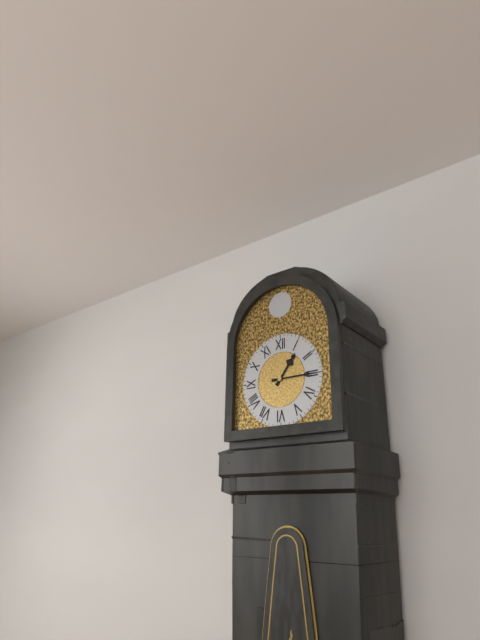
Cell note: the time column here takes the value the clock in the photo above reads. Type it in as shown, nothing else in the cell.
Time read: 1:15
